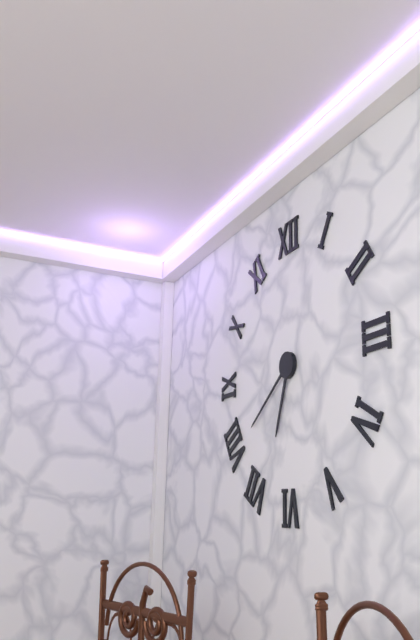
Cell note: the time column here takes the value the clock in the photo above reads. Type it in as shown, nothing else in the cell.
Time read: 6:39
